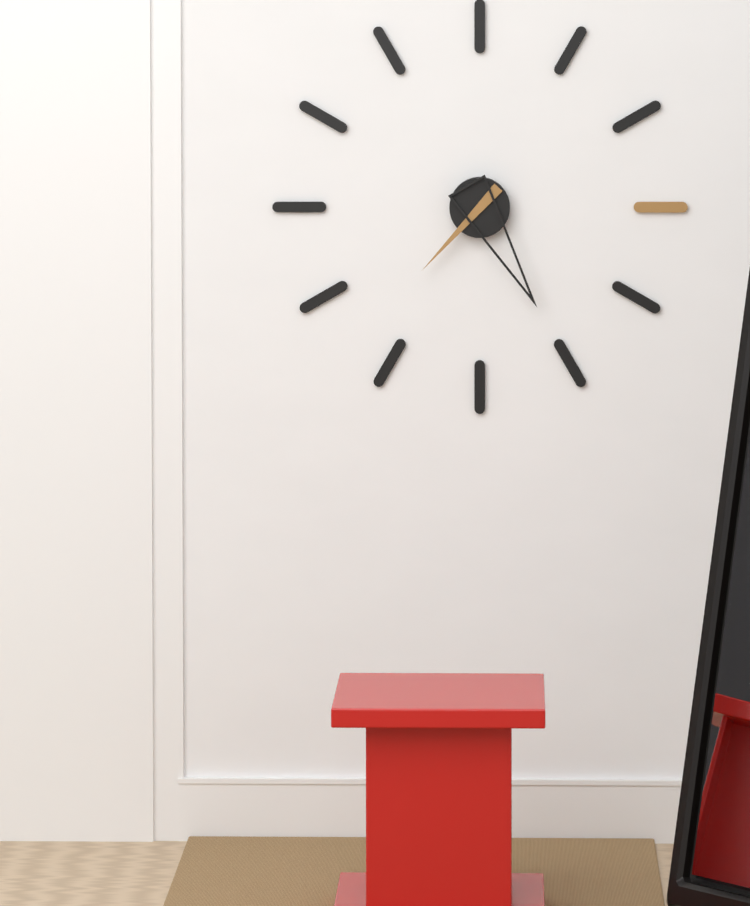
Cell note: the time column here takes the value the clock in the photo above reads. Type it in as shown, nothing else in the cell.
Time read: 7:25
